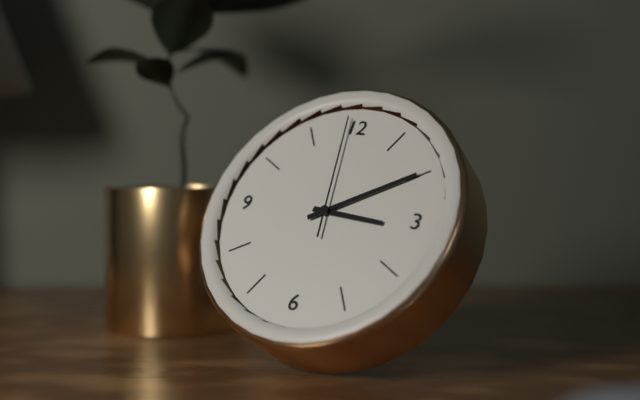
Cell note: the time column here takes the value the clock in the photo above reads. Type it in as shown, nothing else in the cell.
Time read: 3:10:59
